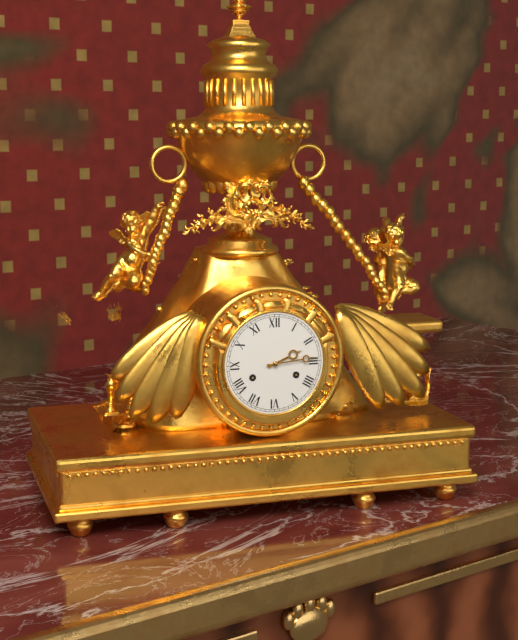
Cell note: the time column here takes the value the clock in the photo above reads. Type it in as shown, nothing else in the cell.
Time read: 2:14
